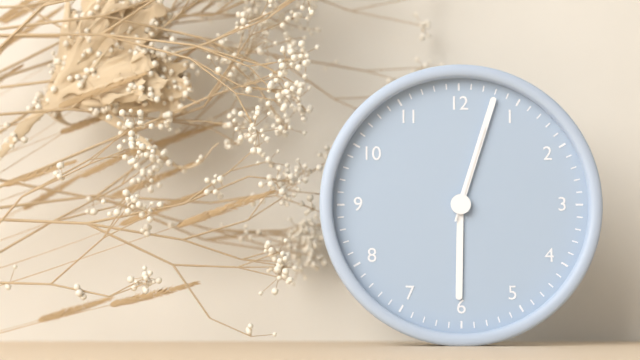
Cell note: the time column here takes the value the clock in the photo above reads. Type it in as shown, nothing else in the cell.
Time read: 6:03:03
